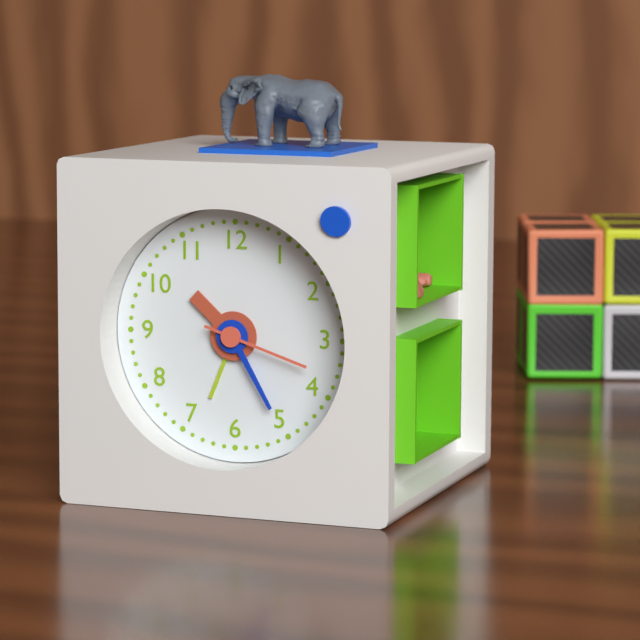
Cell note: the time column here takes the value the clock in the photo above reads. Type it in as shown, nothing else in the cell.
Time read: 10:25:18
